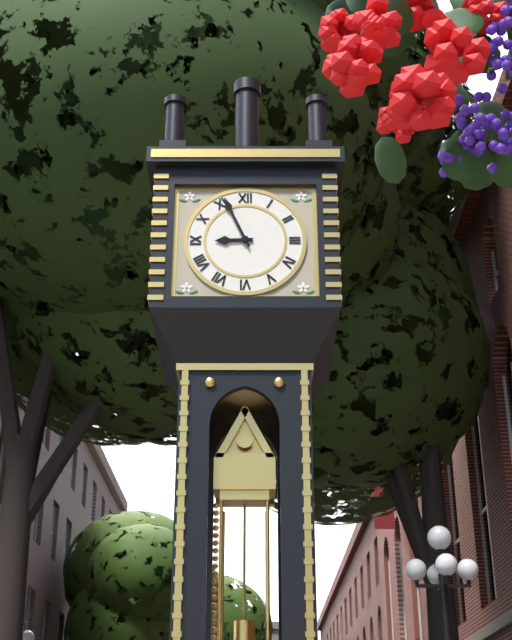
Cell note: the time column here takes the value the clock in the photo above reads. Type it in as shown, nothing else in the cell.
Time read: 8:56
